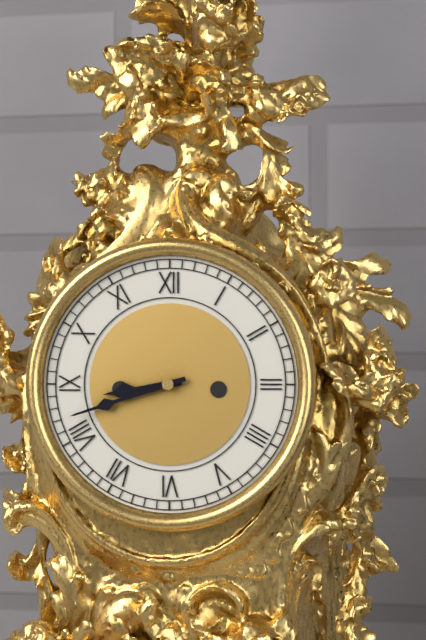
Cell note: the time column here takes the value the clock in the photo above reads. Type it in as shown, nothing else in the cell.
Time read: 8:42
